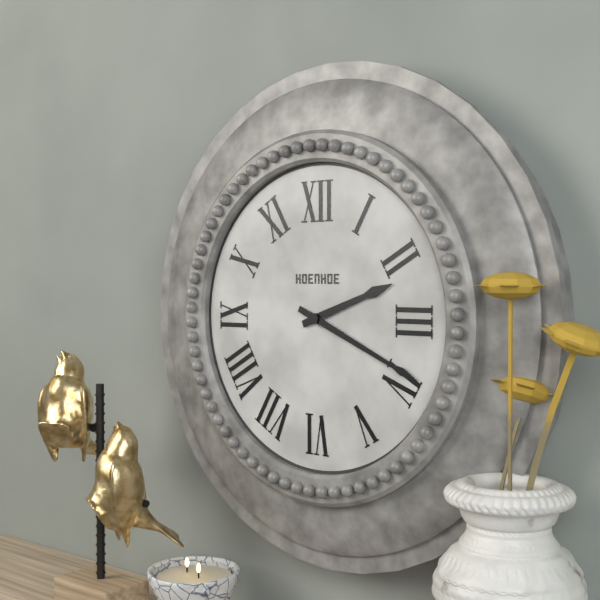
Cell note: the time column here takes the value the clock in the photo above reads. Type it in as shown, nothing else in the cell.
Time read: 2:19
